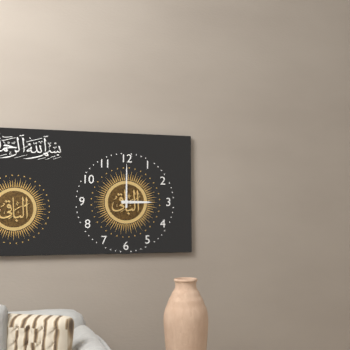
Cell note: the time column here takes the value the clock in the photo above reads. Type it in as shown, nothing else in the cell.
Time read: 3:00
